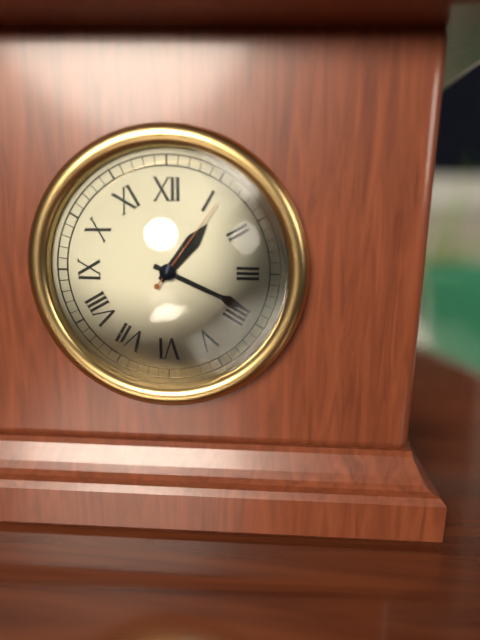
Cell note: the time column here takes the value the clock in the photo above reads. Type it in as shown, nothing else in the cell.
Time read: 1:19:06
